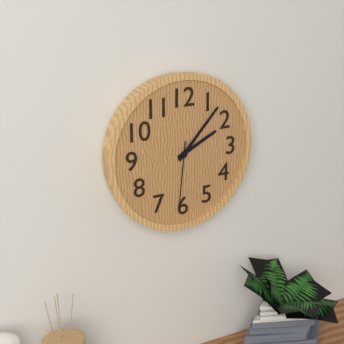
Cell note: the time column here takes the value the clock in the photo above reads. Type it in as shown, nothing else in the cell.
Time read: 2:07:31
